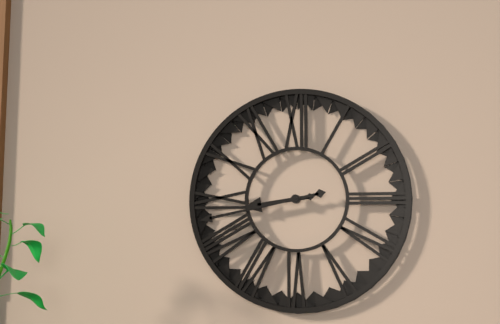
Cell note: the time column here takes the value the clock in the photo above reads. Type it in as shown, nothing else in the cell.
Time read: 8:43
